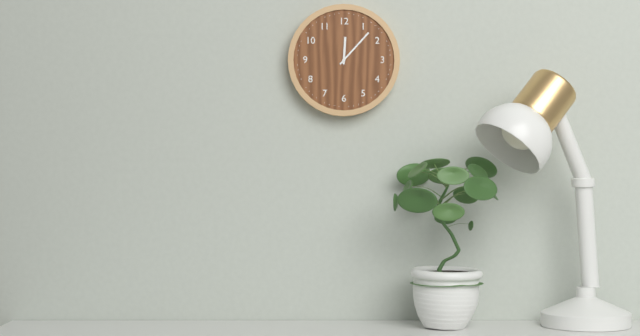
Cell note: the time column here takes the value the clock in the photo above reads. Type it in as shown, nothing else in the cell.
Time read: 12:07
